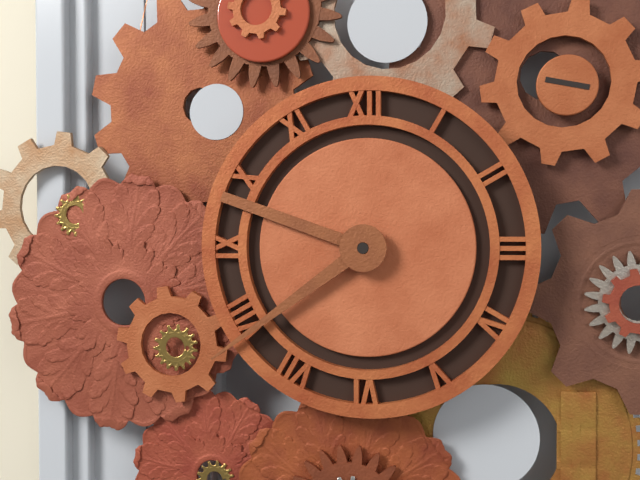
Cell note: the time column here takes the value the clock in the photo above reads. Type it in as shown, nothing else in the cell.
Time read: 9:39
